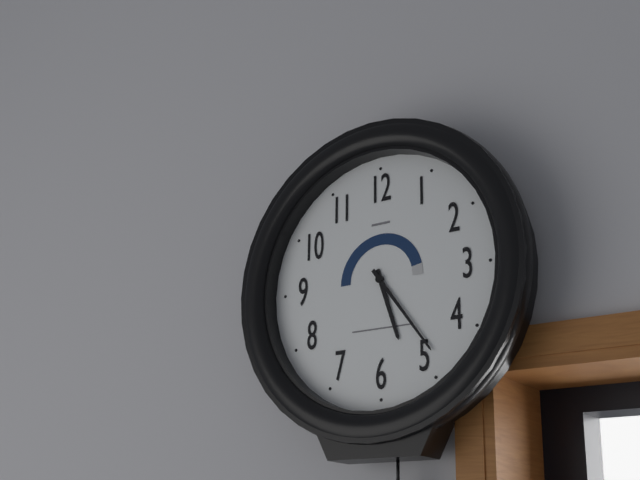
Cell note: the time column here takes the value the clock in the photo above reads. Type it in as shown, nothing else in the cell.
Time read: 5:24
